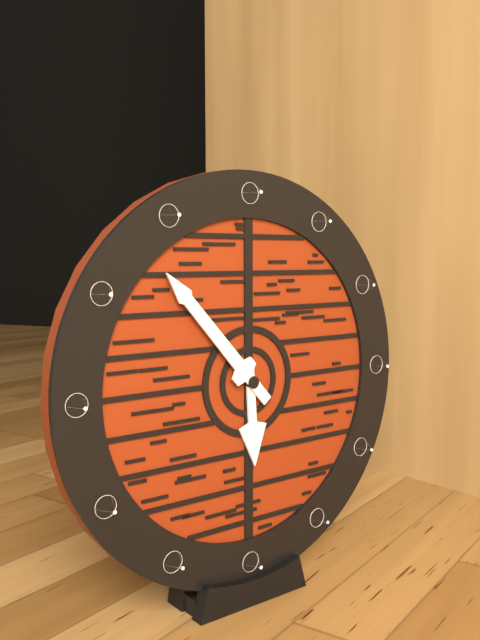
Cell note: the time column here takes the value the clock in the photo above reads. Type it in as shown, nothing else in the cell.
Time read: 5:53
